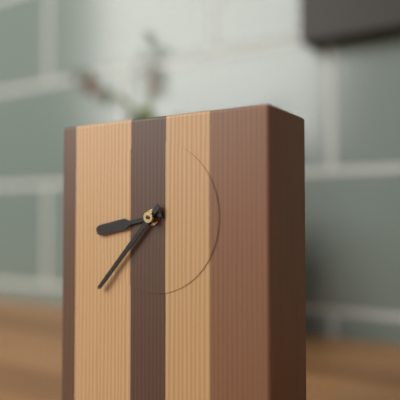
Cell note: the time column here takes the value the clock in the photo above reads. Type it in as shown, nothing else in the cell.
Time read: 8:37
